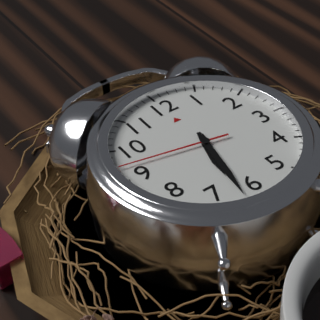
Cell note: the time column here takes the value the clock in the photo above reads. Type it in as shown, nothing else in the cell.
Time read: 6:32:47
